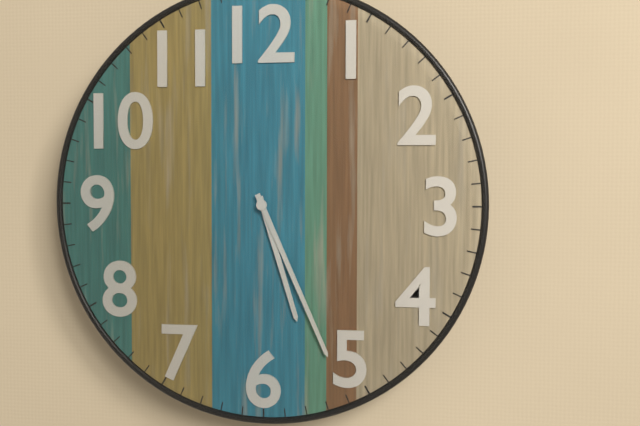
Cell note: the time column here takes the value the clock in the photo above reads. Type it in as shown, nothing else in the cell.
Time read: 5:26
